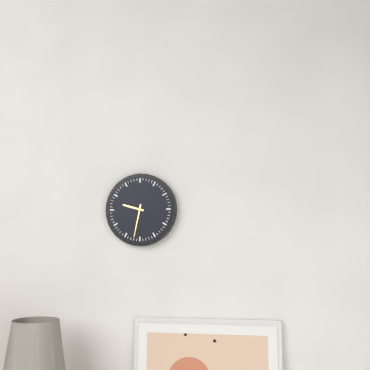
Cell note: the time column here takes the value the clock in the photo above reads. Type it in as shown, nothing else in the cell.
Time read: 9:32
